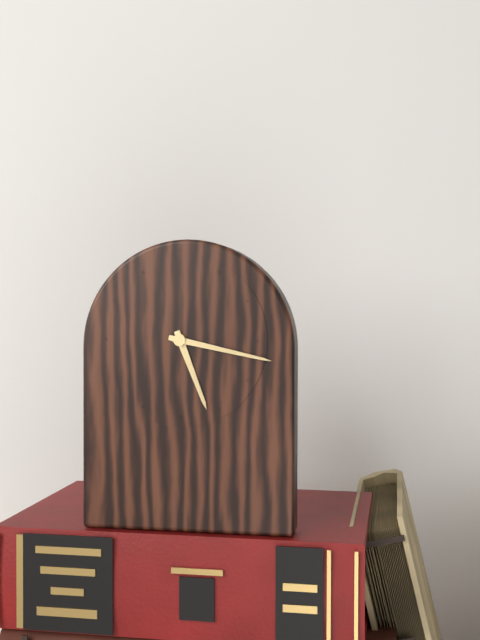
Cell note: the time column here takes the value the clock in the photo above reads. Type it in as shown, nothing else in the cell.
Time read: 5:17
